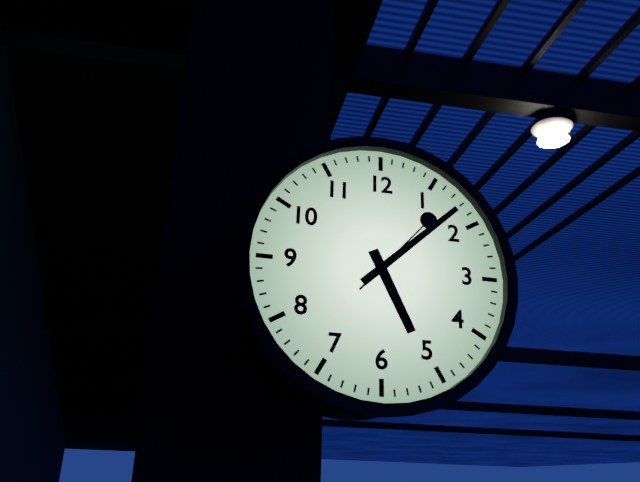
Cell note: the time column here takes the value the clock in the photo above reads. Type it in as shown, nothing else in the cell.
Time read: 5:08:07
